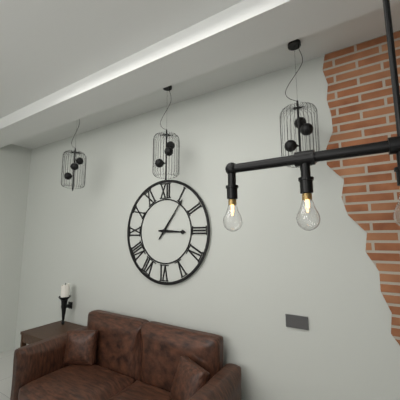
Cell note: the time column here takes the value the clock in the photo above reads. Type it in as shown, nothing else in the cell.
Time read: 3:06
